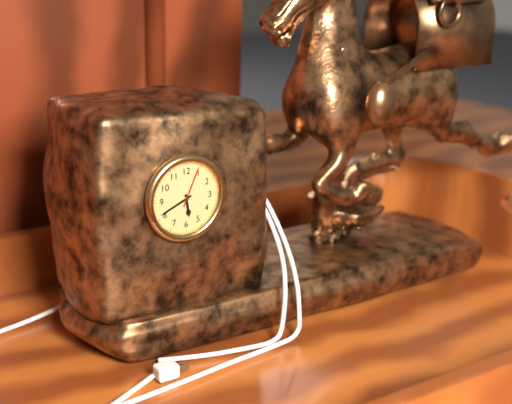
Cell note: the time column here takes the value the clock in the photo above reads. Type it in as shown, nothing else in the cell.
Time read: 5:41
